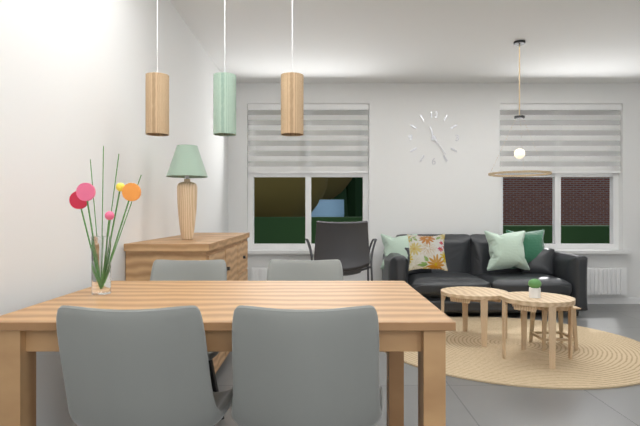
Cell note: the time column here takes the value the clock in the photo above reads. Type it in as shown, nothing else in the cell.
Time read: 11:24
